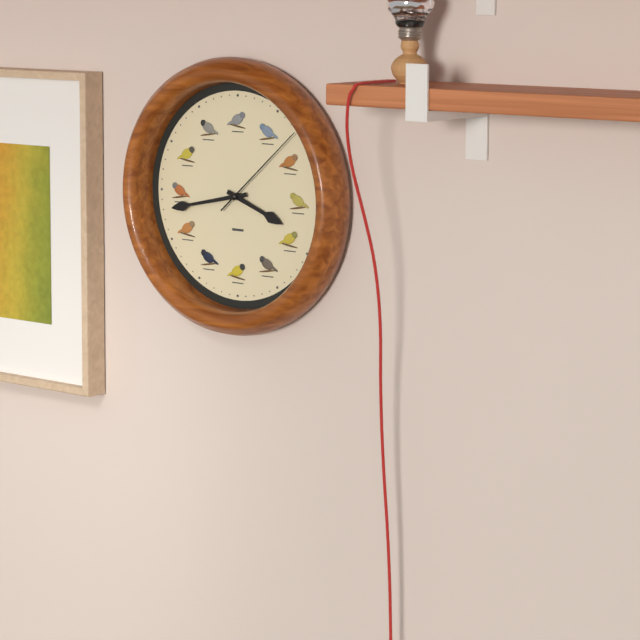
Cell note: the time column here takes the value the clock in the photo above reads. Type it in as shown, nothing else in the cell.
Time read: 3:43:08
